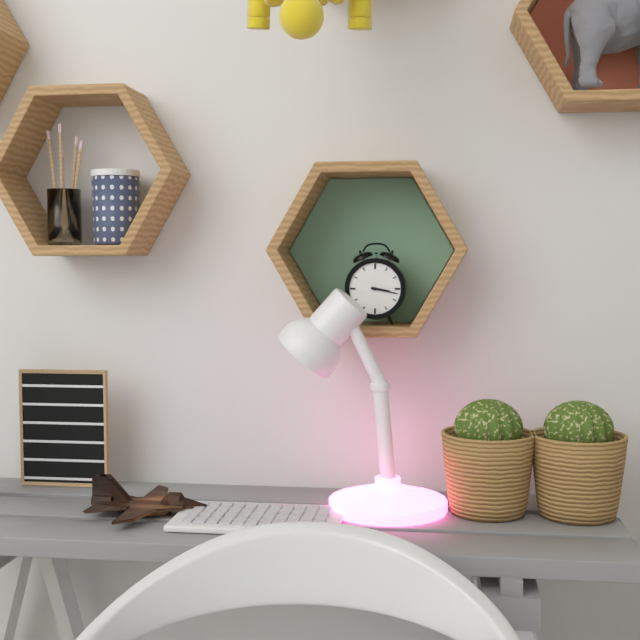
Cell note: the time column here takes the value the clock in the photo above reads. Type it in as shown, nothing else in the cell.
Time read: 3:17
